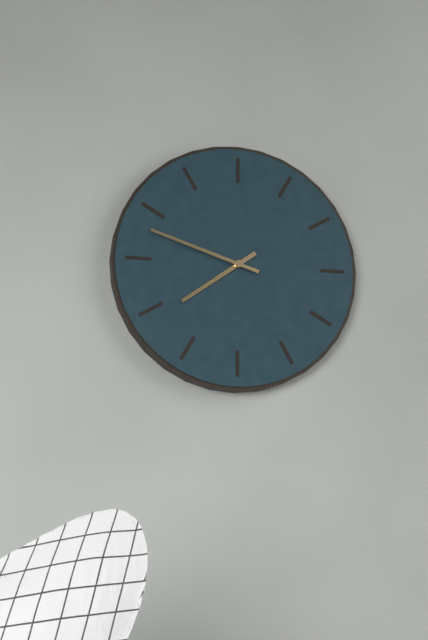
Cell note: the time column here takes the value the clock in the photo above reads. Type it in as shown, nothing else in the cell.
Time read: 7:48
